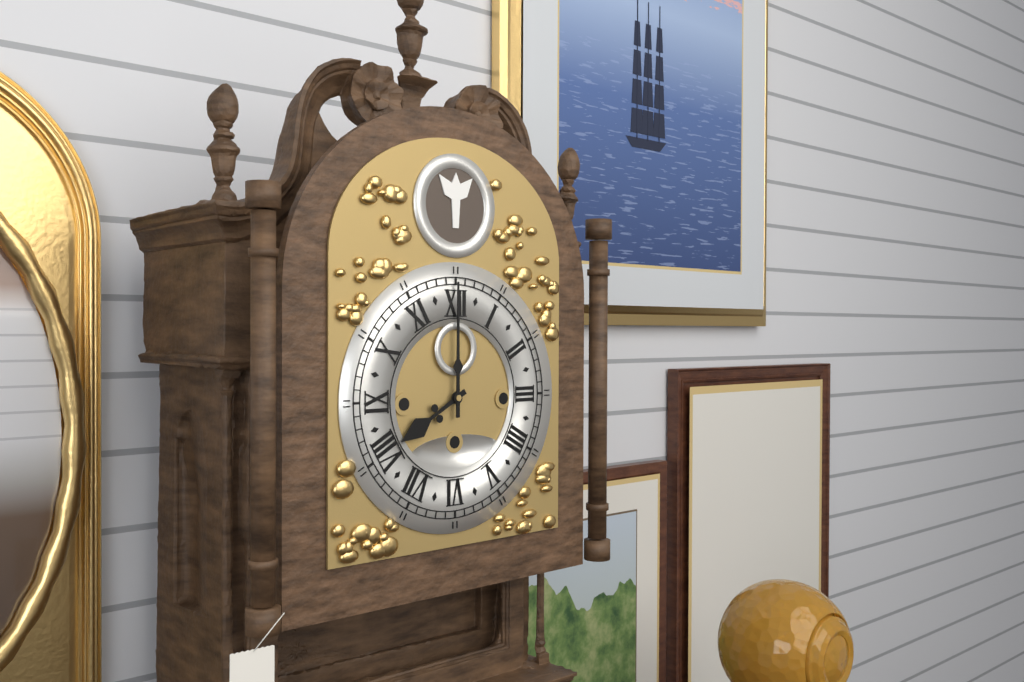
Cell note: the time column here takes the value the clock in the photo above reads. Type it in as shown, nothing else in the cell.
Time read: 8:00
